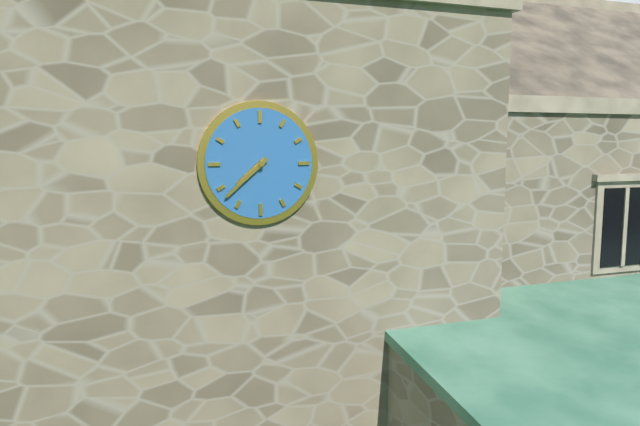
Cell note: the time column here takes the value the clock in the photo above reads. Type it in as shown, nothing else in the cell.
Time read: 7:38
